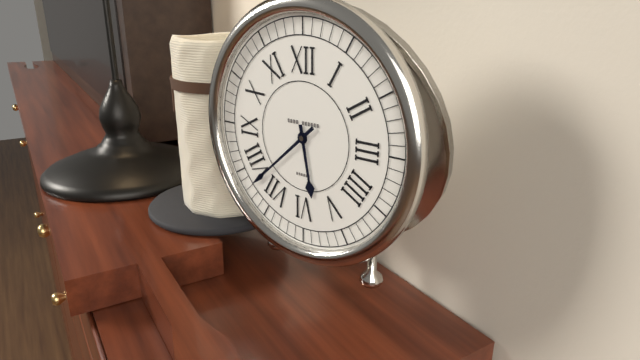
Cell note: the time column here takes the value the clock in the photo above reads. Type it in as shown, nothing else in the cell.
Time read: 5:38
